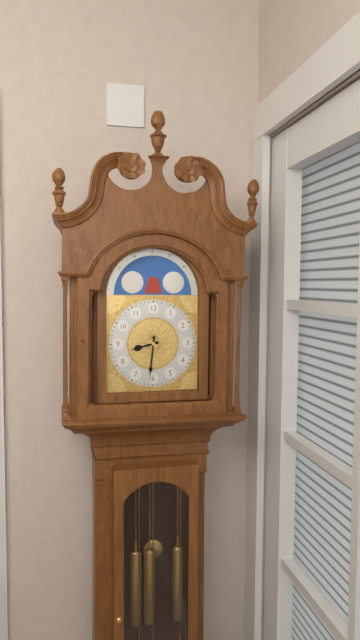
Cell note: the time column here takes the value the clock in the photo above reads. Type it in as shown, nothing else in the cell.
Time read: 8:31
